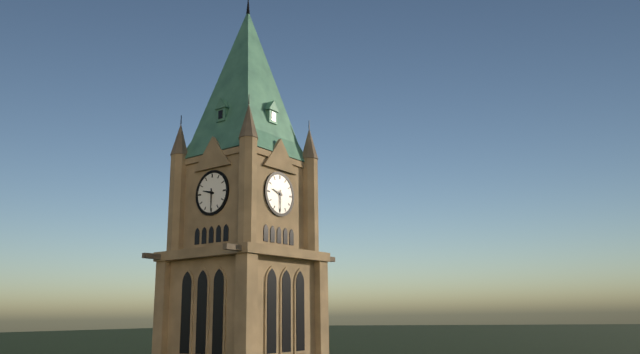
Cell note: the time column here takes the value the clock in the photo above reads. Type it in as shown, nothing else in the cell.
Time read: 9:30
